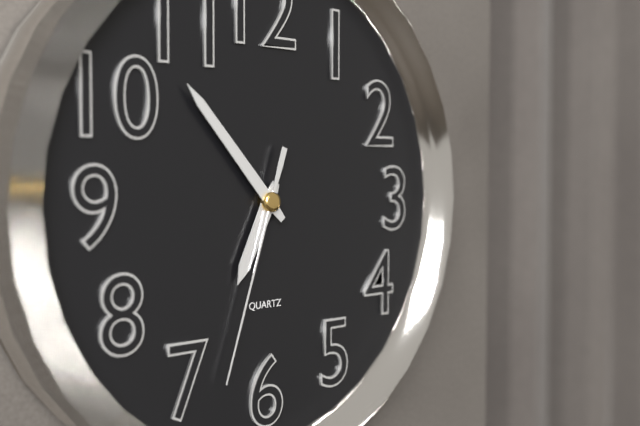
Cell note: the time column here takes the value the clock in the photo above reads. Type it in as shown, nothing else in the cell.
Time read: 6:53:33
